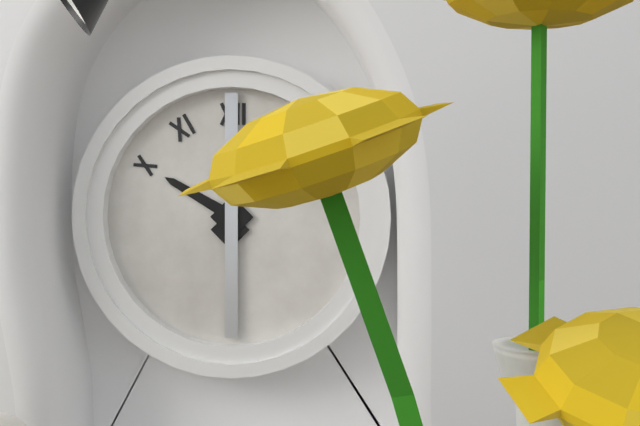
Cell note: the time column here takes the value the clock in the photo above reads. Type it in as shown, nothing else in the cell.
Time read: 10:00
